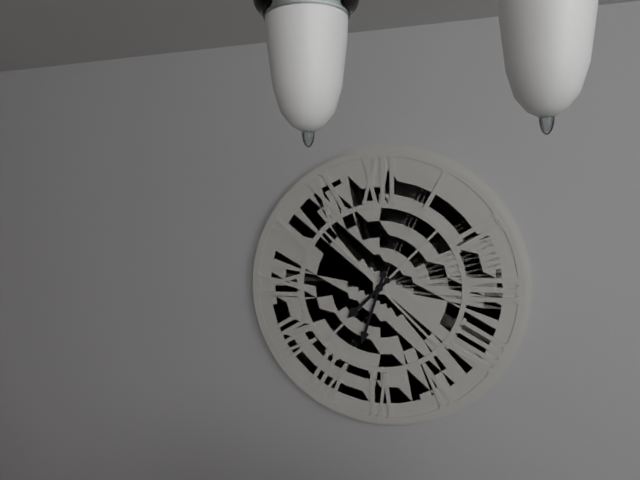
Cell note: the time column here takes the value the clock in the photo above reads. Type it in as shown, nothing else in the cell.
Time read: 7:33
